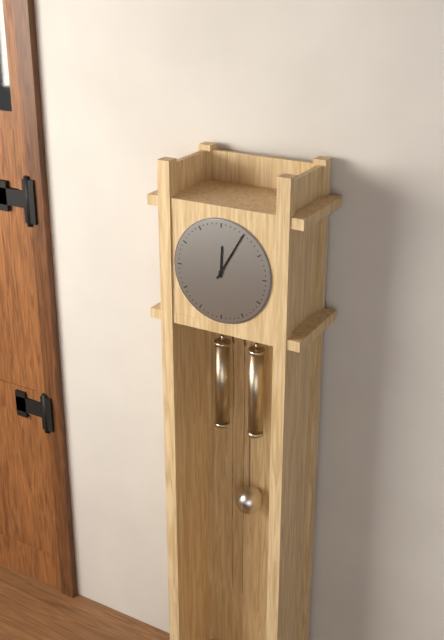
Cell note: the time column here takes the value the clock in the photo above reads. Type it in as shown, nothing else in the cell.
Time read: 12:05
